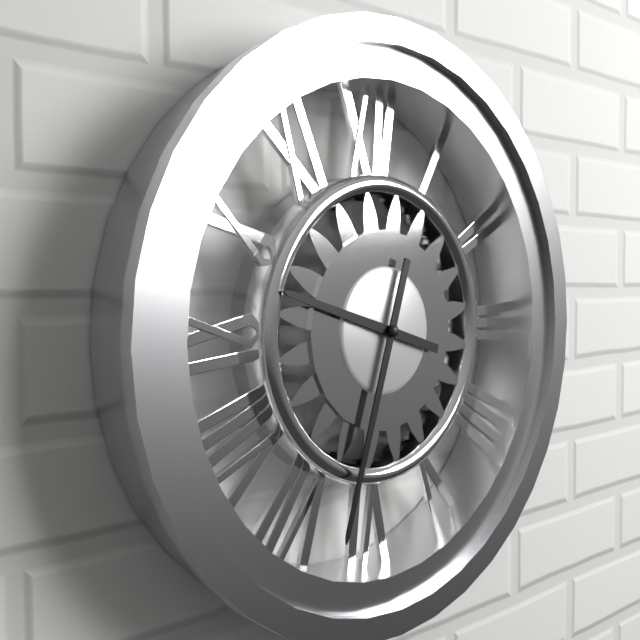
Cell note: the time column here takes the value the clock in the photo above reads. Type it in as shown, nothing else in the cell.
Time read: 9:33
